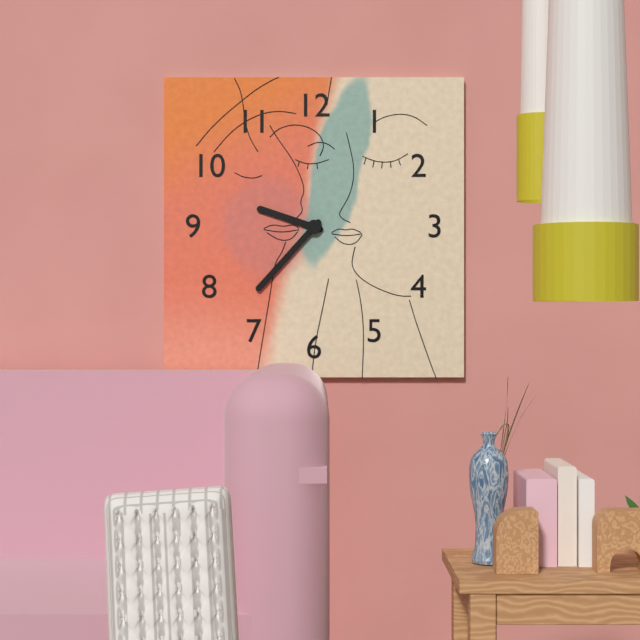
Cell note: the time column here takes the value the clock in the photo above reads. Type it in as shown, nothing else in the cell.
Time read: 9:37
